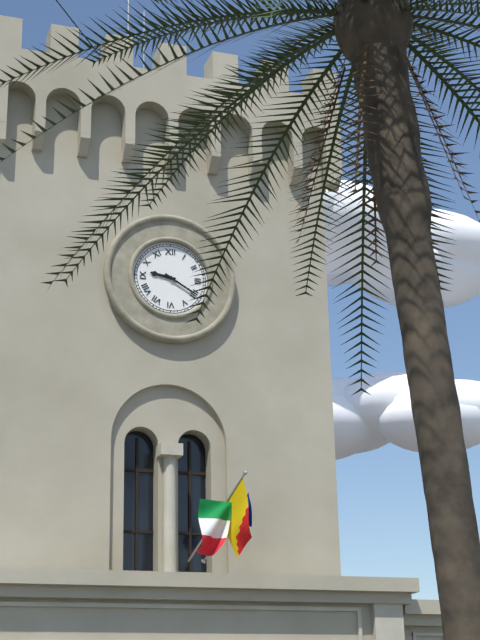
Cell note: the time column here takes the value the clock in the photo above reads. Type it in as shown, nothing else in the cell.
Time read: 9:20
